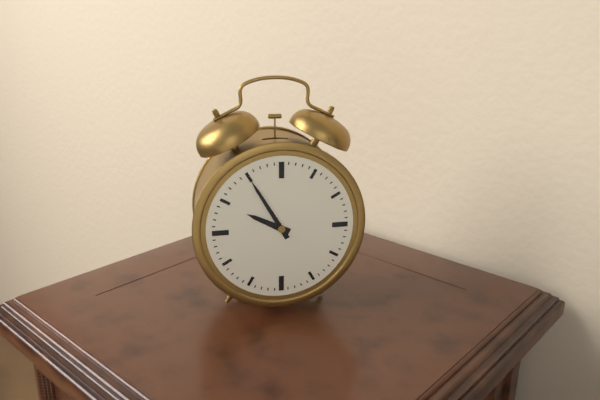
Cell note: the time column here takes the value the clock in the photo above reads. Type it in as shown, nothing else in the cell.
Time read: 9:55
